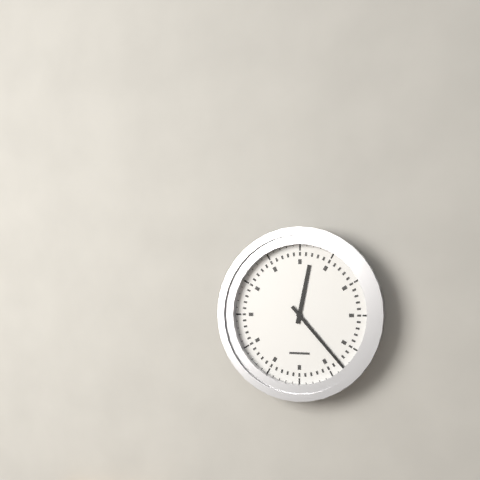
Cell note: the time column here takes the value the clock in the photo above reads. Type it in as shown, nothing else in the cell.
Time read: 12:23
